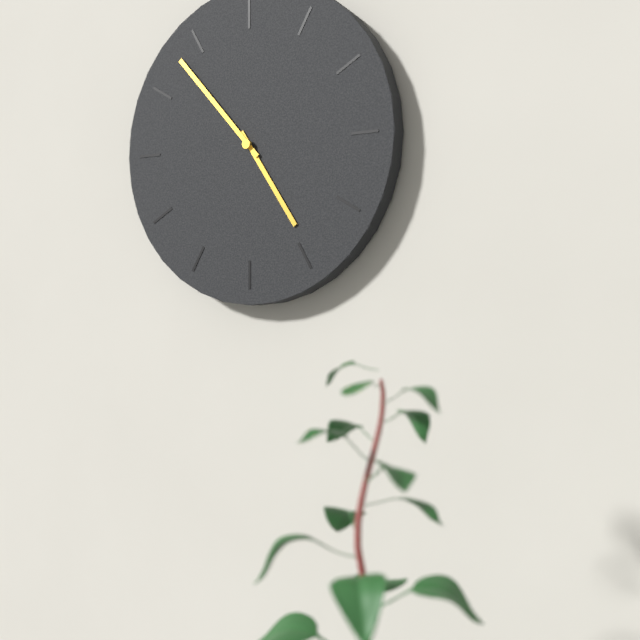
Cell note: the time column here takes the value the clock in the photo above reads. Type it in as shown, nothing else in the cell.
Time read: 4:53
